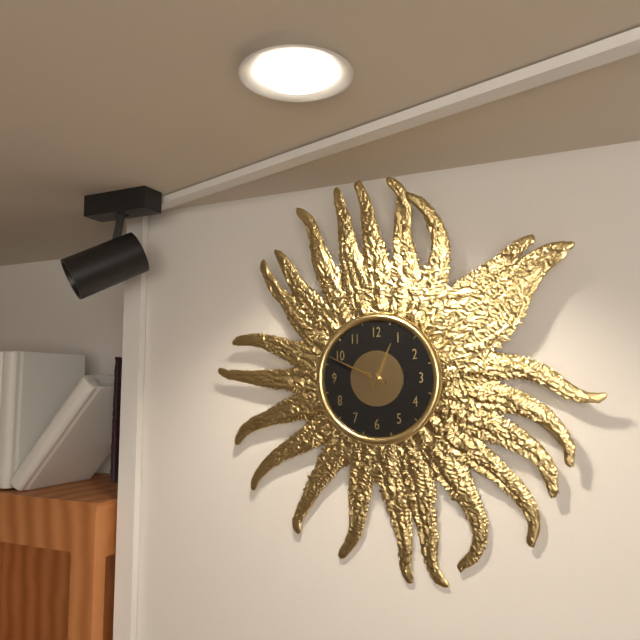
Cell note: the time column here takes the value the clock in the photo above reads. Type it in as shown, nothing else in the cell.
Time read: 12:49
